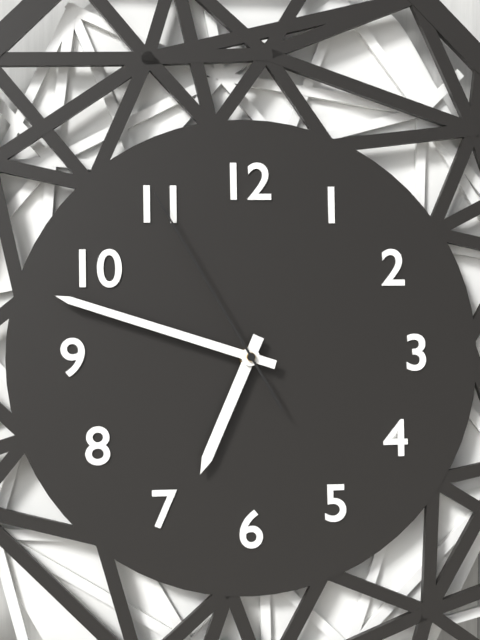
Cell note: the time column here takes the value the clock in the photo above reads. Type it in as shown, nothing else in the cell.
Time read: 6:48:55
